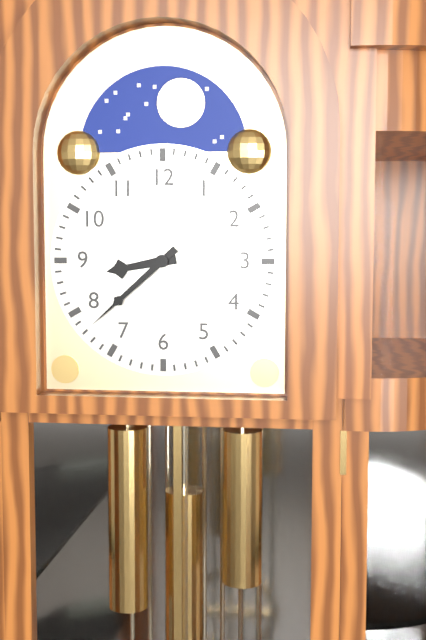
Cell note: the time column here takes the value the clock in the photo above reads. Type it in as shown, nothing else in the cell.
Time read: 8:38
